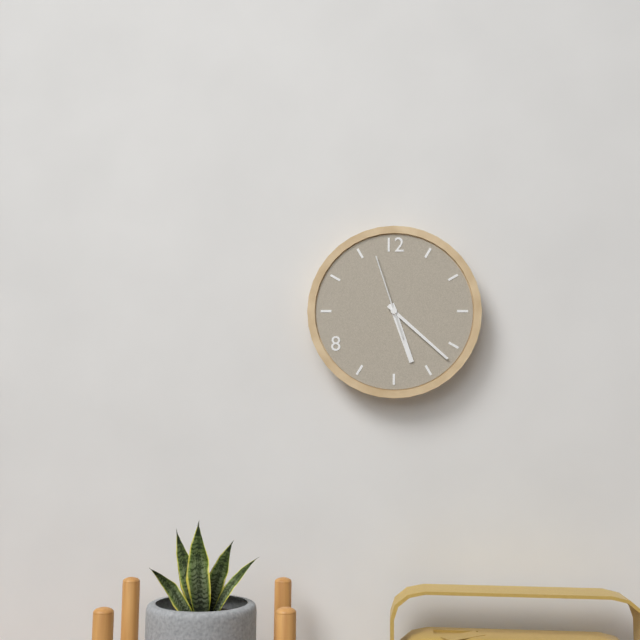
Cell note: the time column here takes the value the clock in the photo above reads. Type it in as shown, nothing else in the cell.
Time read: 5:22:57
